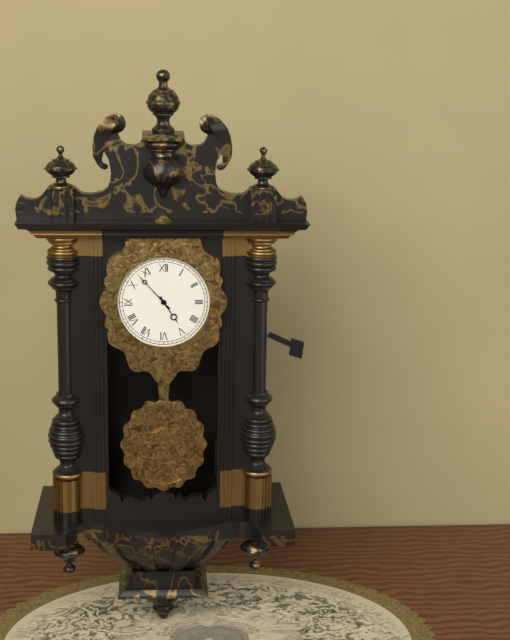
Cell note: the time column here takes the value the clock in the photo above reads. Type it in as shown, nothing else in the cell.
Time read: 4:53
